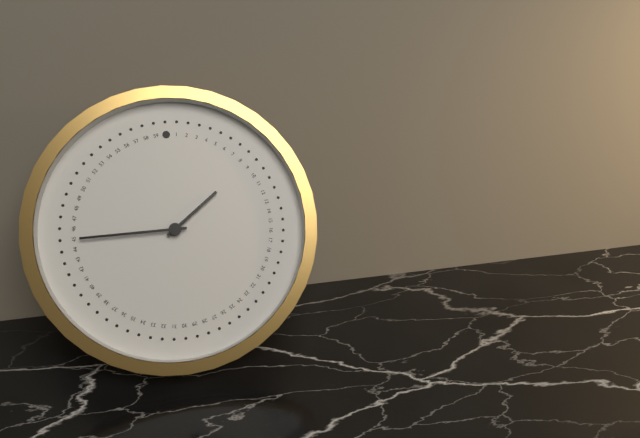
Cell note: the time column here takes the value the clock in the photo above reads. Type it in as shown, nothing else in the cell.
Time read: 1:45
